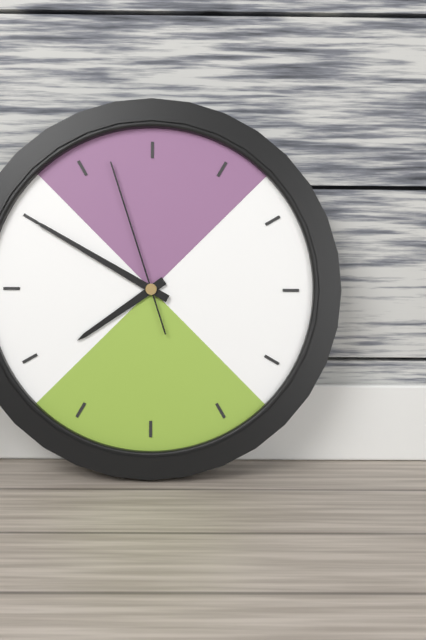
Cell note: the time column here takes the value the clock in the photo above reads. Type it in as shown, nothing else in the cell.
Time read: 7:50:57
